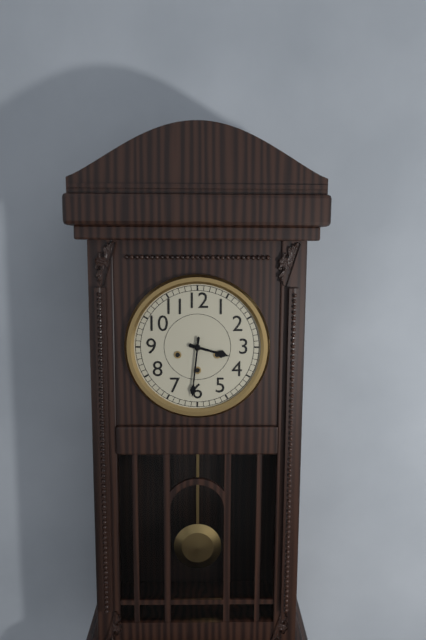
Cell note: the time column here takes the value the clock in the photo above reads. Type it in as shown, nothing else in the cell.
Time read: 3:31
